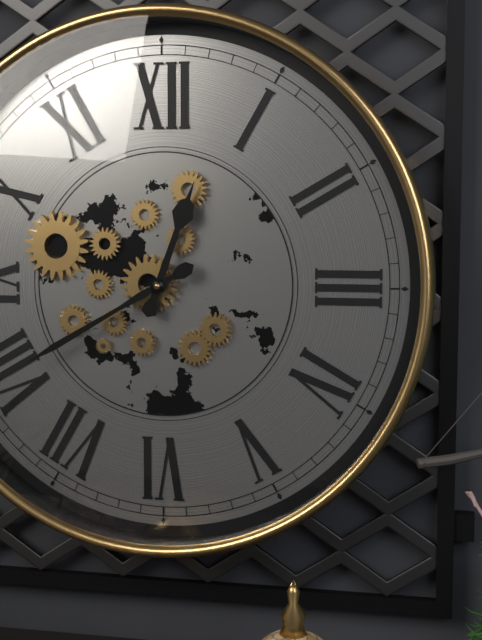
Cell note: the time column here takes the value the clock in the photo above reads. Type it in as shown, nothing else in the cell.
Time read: 12:40
